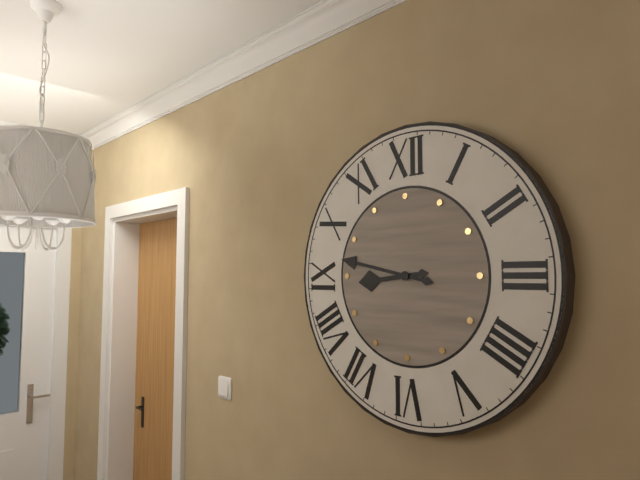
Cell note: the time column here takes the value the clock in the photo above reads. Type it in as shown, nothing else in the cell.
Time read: 8:47
